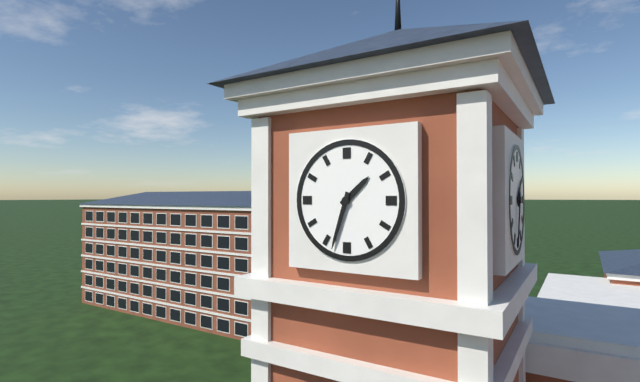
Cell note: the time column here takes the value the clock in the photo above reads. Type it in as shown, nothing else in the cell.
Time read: 1:33
